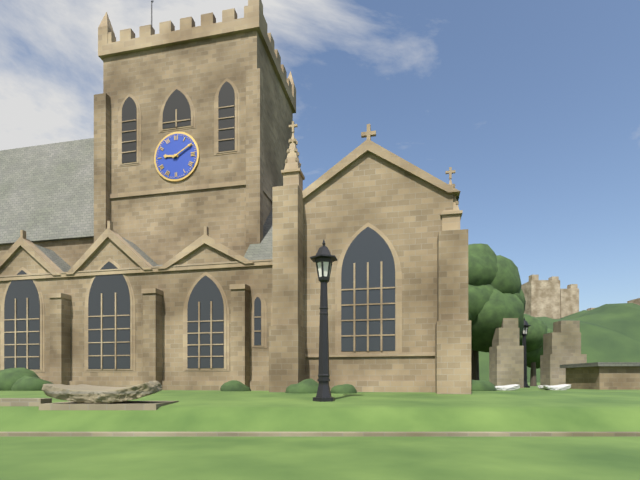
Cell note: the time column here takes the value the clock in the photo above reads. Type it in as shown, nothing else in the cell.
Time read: 9:10
